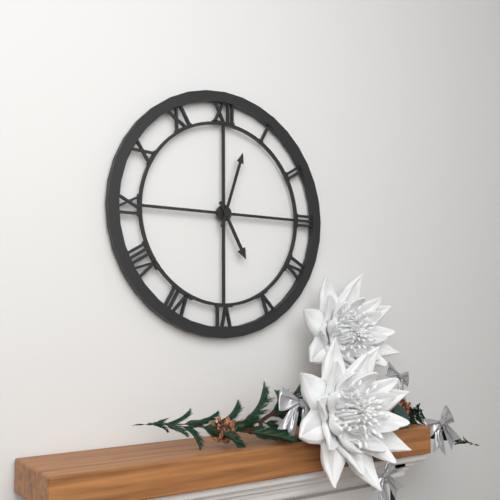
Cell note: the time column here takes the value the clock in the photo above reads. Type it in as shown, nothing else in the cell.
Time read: 5:03
